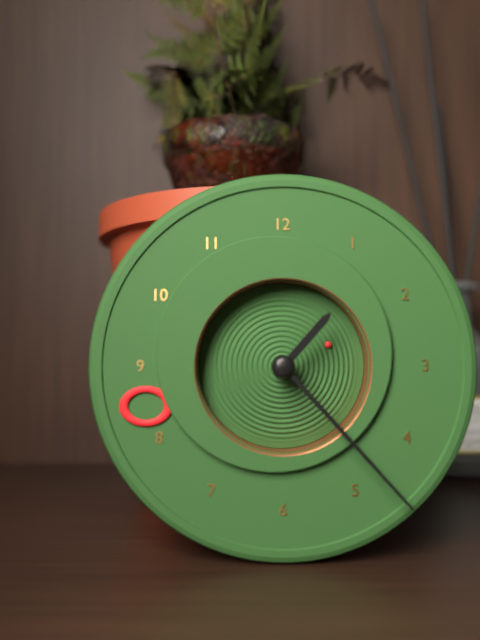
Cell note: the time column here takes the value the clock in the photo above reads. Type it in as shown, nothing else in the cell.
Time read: 1:23:11
